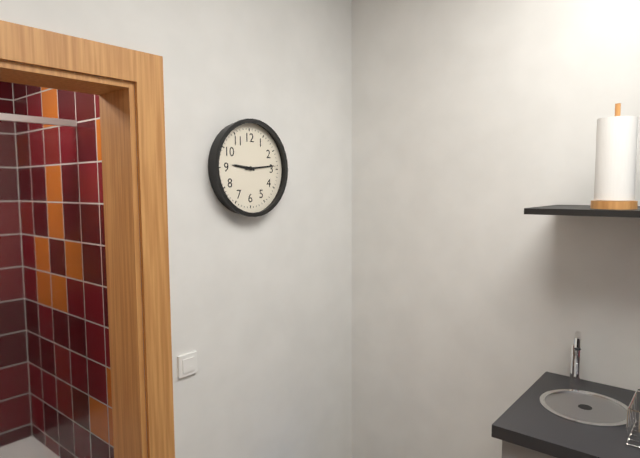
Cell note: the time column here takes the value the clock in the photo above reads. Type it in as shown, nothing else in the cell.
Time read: 9:14
